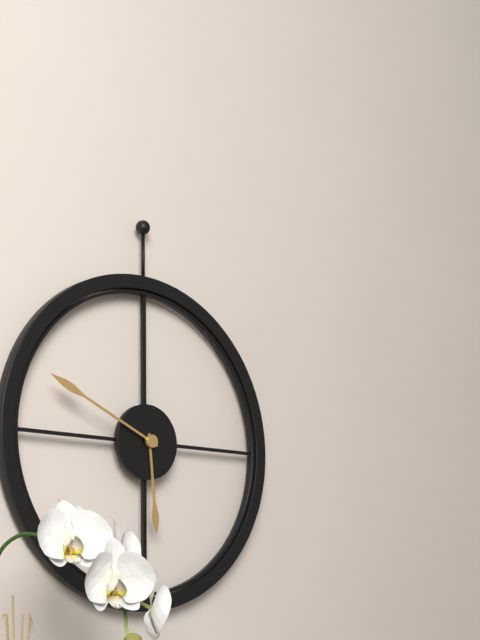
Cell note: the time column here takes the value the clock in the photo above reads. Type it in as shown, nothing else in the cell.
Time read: 5:49
